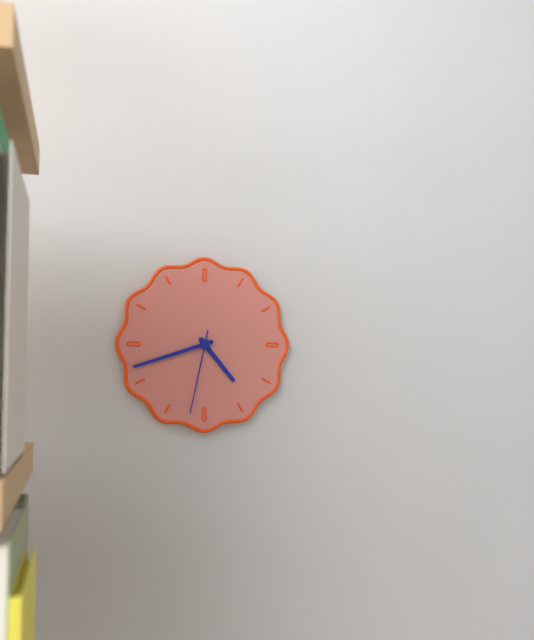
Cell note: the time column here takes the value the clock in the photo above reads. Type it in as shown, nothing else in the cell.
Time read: 4:42:32
